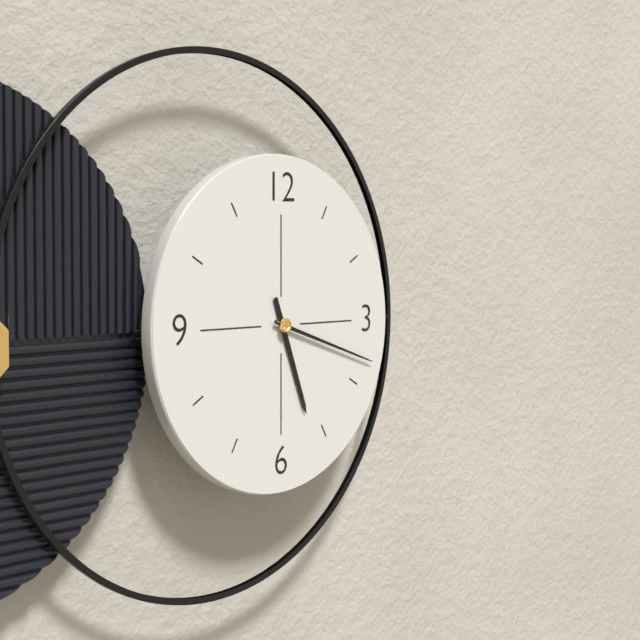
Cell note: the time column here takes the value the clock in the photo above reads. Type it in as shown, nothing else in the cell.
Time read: 5:18
